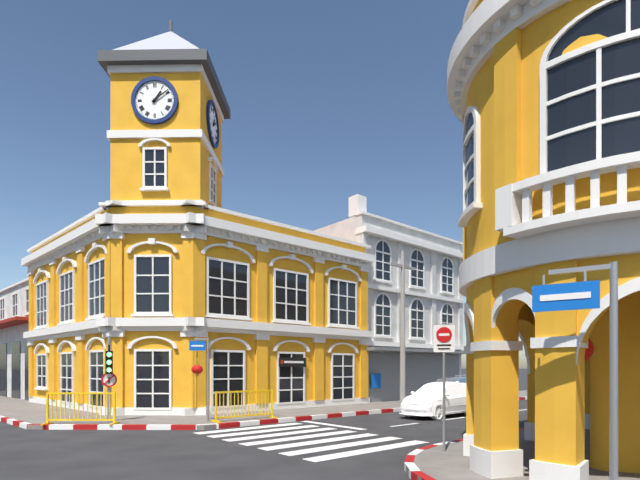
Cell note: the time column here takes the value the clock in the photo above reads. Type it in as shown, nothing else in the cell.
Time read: 1:09
